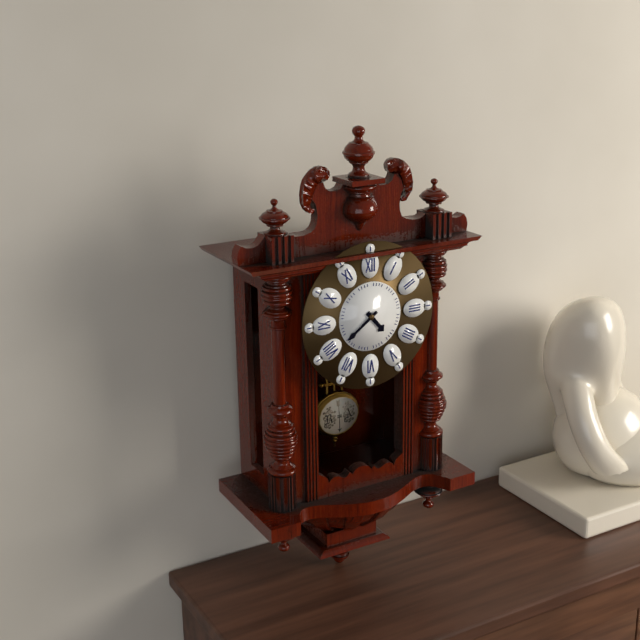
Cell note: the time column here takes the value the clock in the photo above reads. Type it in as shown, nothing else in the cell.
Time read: 4:39
